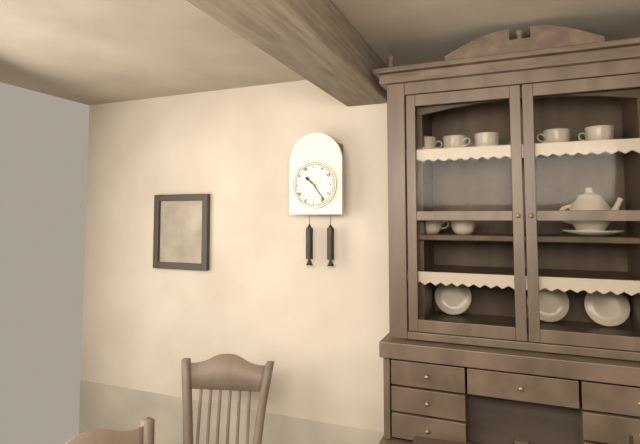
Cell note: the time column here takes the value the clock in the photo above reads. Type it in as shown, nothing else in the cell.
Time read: 10:24
